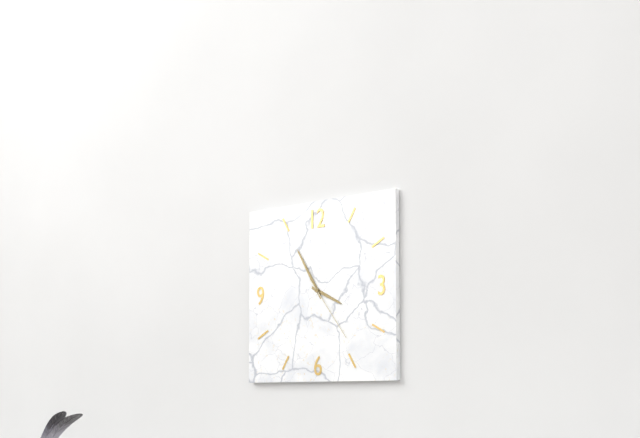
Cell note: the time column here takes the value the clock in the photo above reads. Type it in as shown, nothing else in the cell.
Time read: 3:55:24
